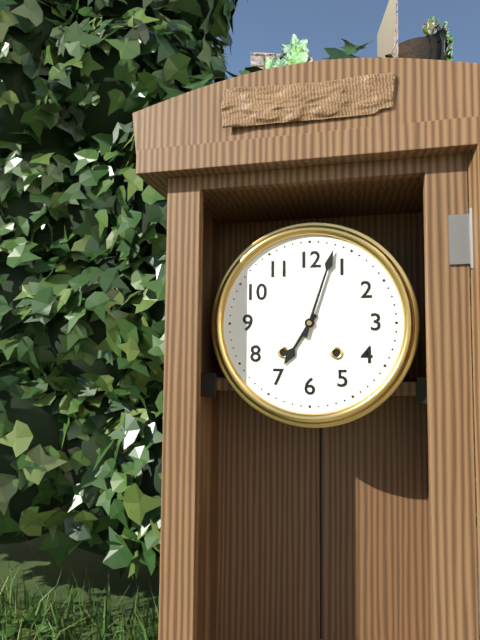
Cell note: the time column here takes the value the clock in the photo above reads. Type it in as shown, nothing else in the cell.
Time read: 7:03
